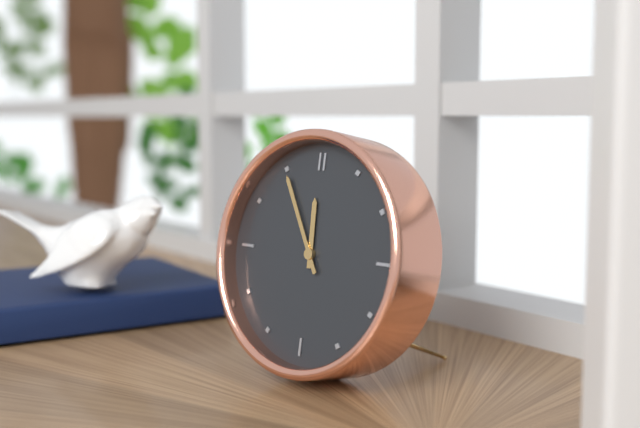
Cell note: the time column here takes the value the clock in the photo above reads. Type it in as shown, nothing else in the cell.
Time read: 11:55
